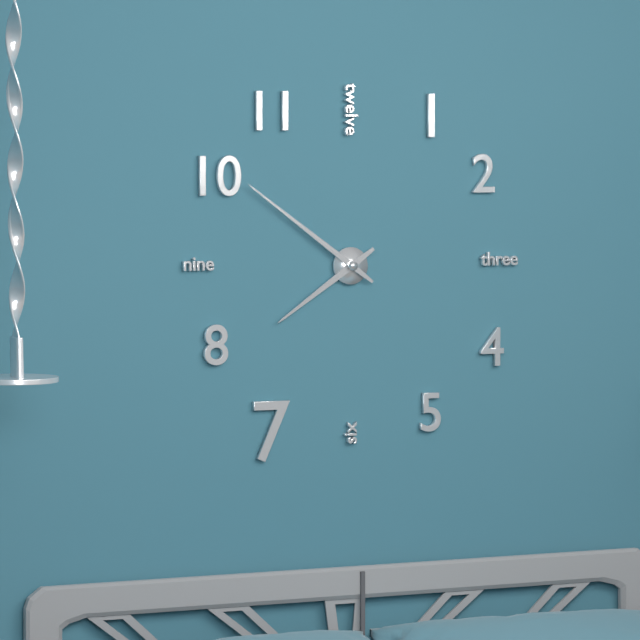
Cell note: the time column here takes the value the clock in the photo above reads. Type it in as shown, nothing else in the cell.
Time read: 7:51
